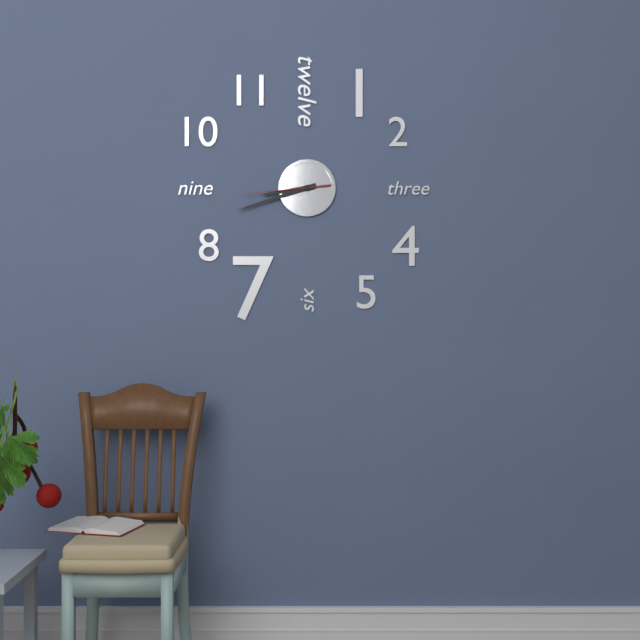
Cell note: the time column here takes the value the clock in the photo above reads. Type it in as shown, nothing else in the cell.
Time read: 8:42:44
